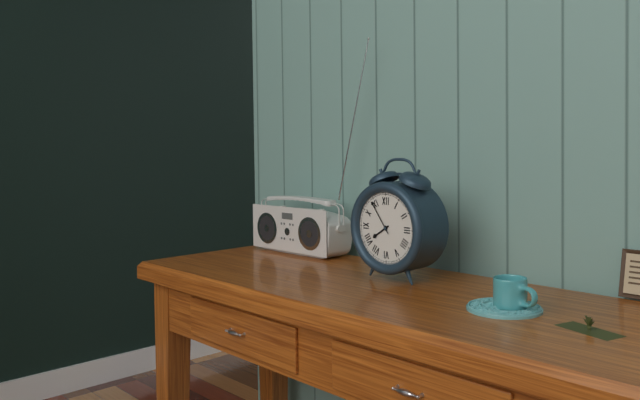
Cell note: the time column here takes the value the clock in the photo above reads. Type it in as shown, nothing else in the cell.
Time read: 7:54
